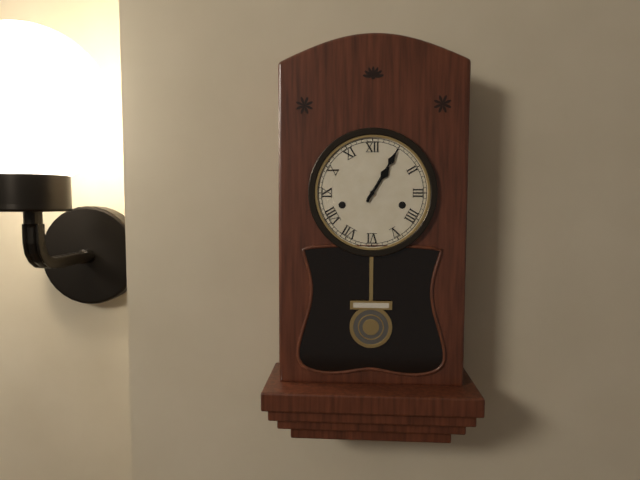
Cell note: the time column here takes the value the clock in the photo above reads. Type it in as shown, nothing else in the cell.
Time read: 1:05
